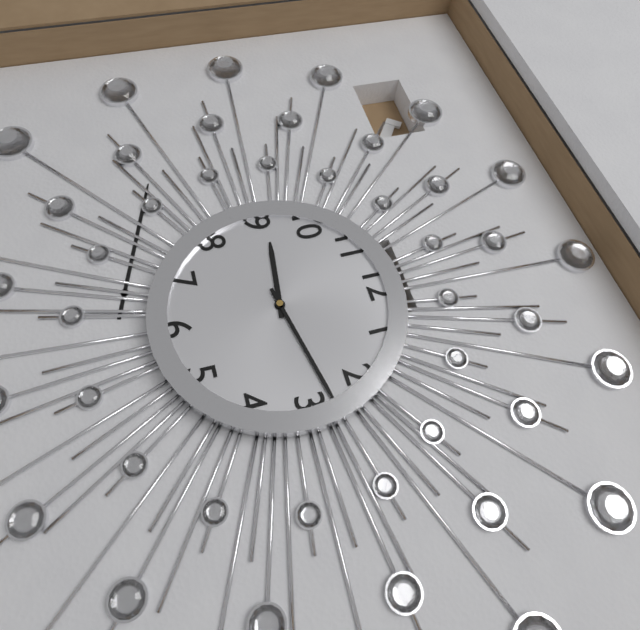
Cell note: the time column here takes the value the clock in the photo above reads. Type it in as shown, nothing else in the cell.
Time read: 9:13
